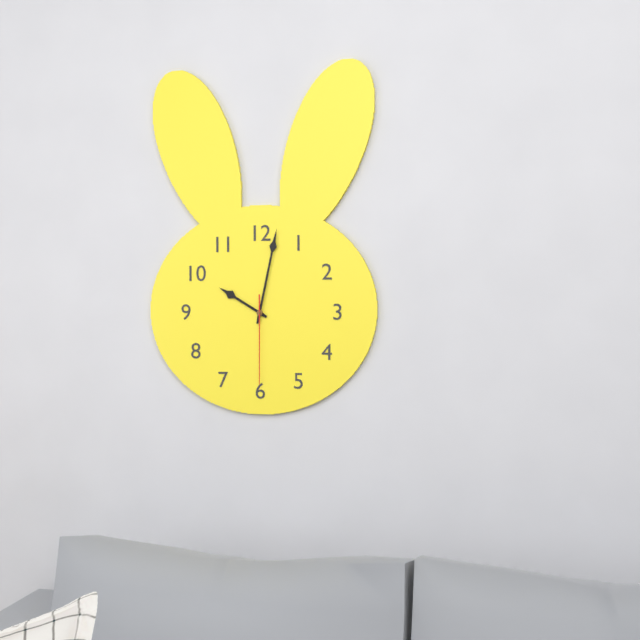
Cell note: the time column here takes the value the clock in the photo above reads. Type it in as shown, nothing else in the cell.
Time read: 10:02:30
